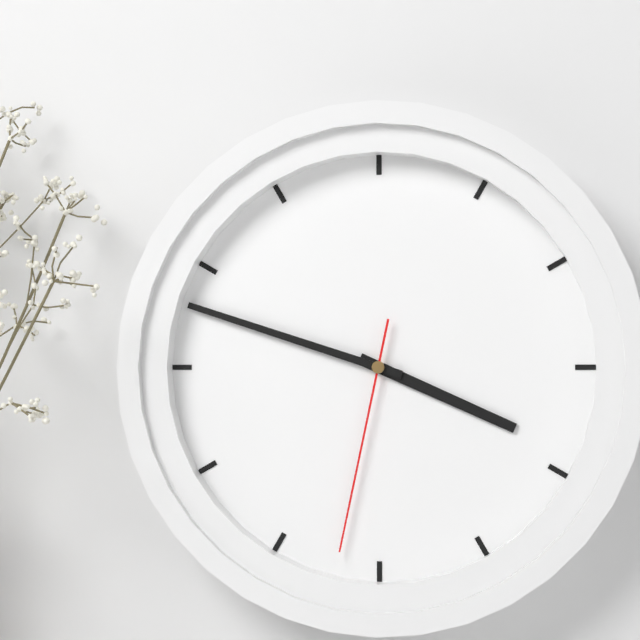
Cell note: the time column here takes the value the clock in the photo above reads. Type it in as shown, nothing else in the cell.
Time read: 3:48:32
